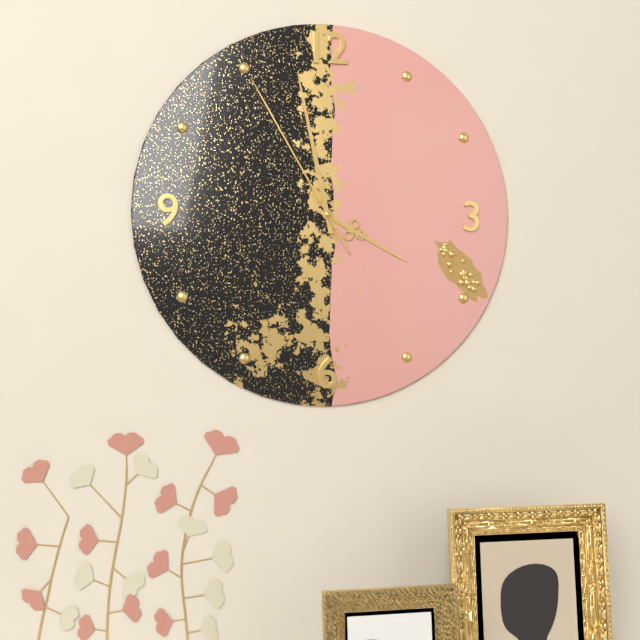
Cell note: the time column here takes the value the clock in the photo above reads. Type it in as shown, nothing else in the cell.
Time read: 3:58:55
